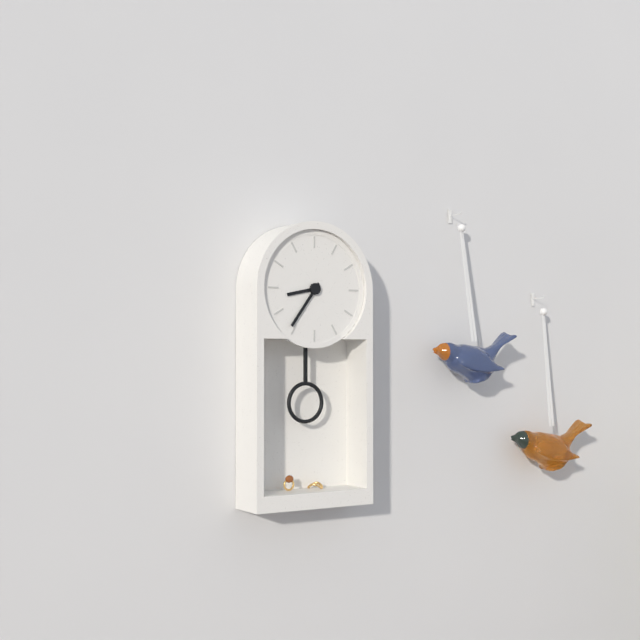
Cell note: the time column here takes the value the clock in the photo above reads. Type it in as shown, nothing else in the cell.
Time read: 8:36
